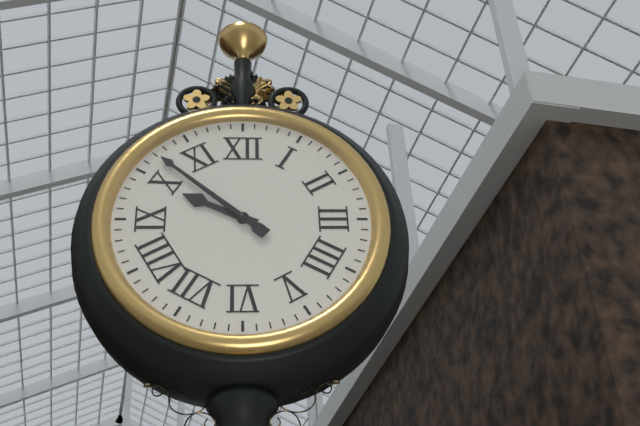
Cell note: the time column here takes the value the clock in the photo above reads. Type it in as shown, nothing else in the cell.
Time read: 9:52
